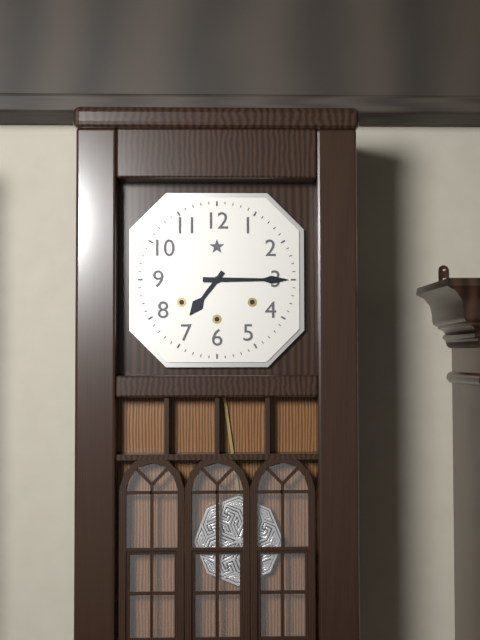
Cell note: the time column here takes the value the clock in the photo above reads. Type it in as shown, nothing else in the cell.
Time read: 7:15
